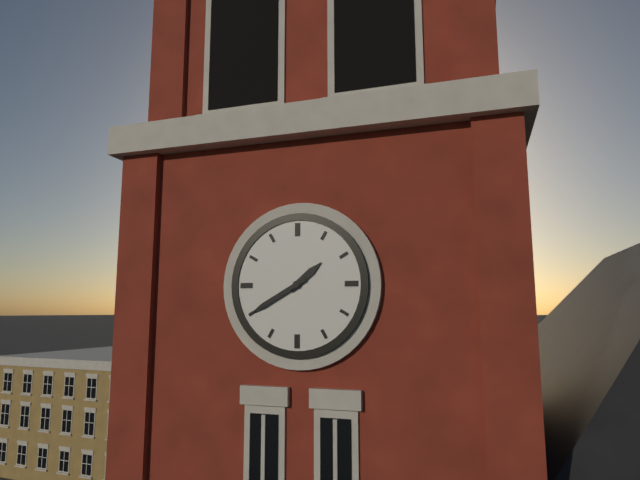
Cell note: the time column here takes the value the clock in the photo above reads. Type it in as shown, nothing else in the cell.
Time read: 1:40
